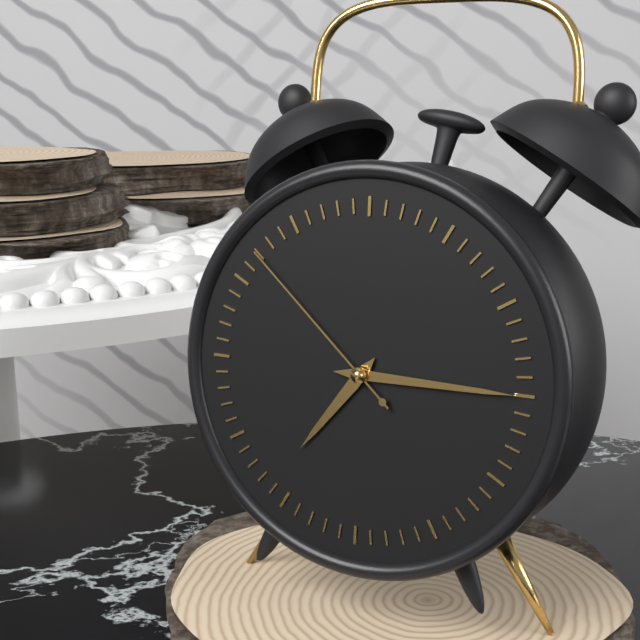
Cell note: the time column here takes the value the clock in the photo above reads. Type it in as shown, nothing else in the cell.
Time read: 7:15:52
